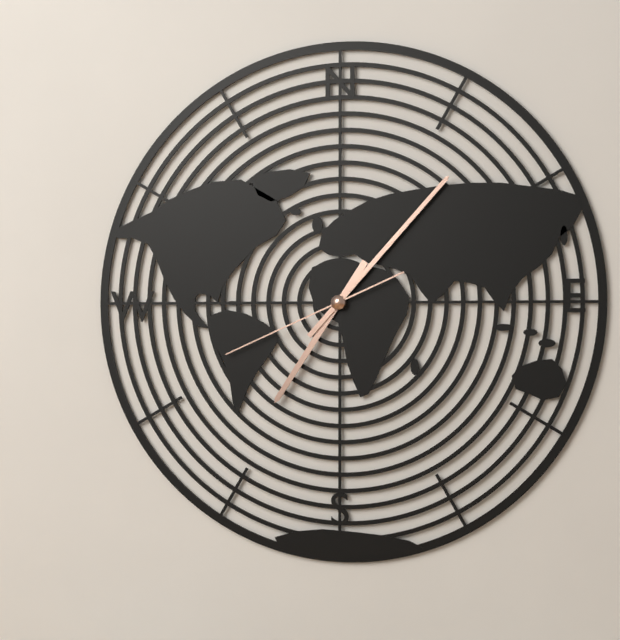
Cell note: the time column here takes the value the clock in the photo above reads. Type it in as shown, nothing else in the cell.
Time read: 7:07:41
